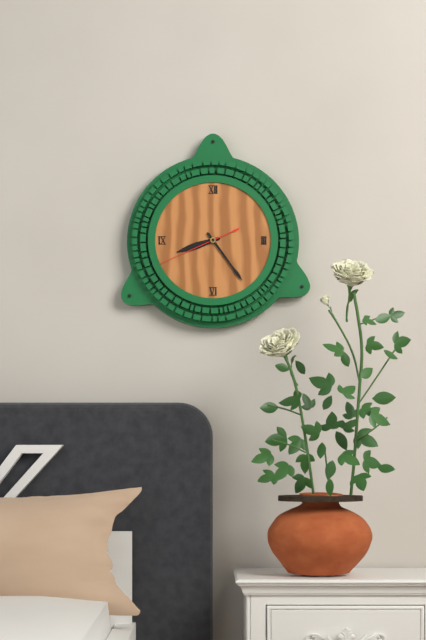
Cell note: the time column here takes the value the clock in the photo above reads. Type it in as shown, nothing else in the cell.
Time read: 8:24:41
